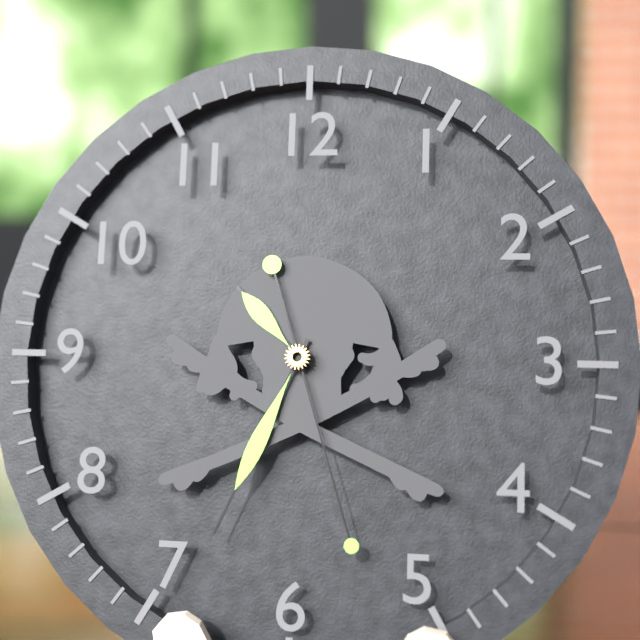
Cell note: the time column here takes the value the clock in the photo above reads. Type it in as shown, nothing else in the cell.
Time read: 10:34:27
